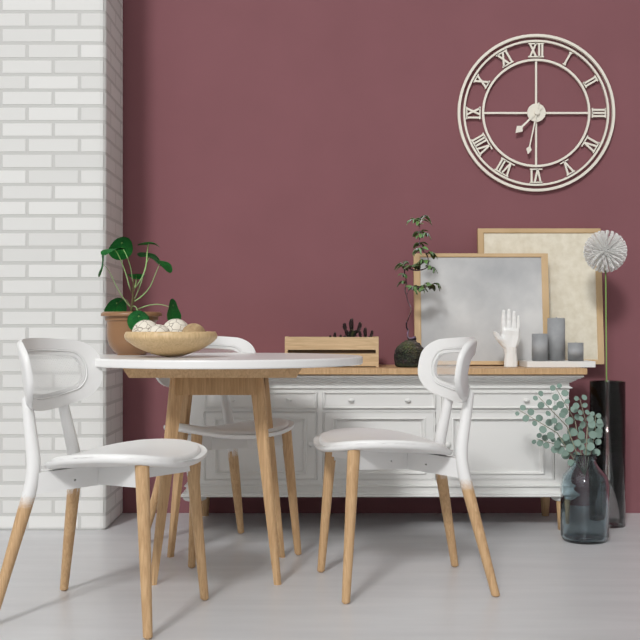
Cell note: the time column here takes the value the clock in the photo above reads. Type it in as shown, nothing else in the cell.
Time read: 7:32
